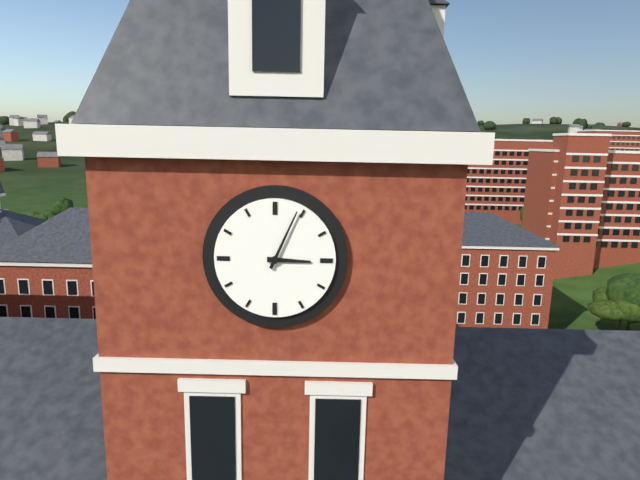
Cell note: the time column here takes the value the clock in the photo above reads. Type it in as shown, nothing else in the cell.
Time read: 3:04
